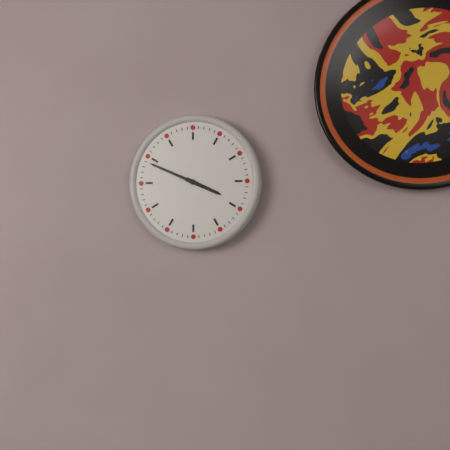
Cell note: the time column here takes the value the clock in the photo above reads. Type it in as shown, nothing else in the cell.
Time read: 3:49
